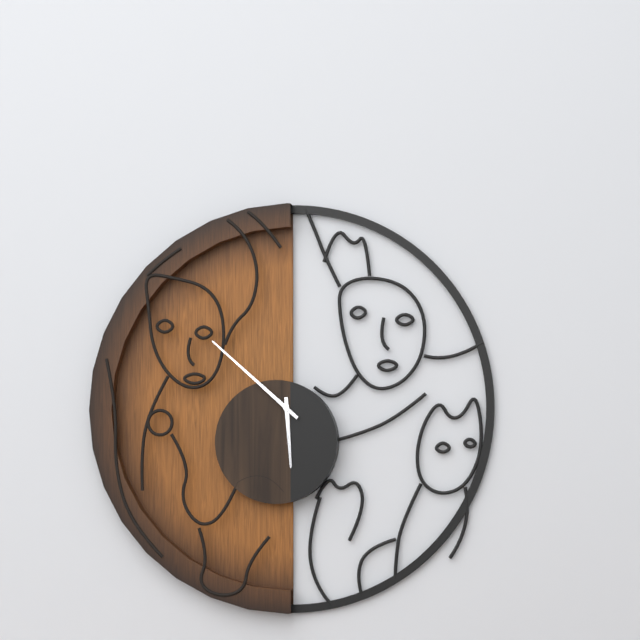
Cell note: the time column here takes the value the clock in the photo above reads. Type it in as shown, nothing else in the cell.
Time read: 5:52
